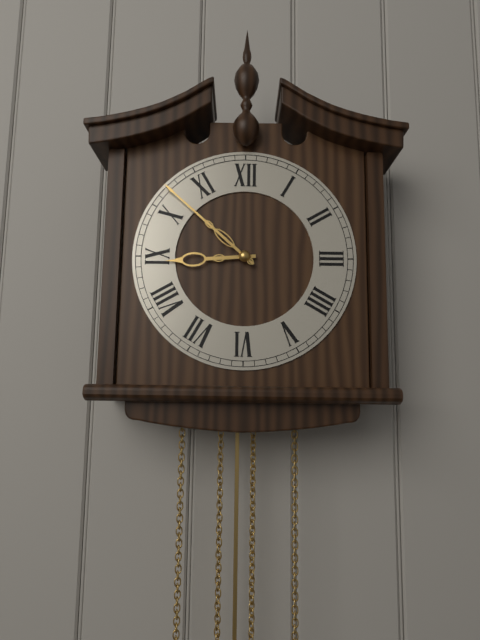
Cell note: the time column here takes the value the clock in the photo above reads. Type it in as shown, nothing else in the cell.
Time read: 8:52
